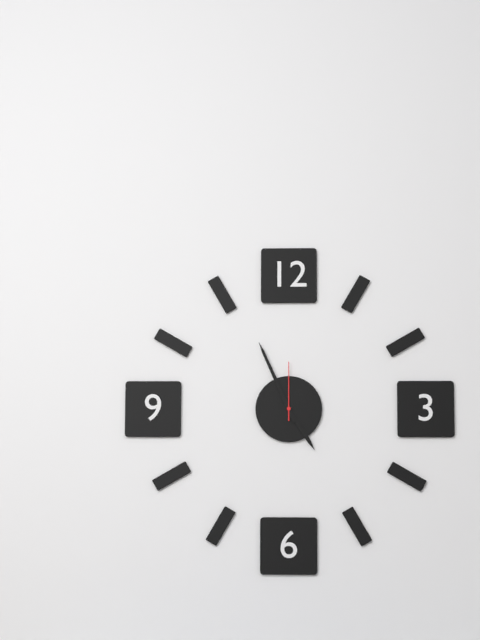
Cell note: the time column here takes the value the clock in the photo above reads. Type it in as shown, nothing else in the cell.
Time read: 4:56:00
